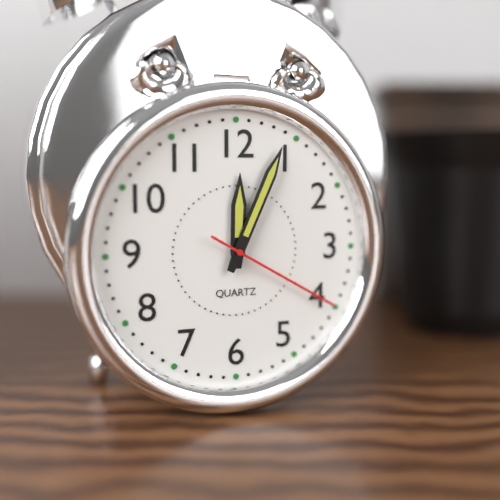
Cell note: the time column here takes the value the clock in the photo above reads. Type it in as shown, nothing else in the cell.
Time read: 12:04:20
